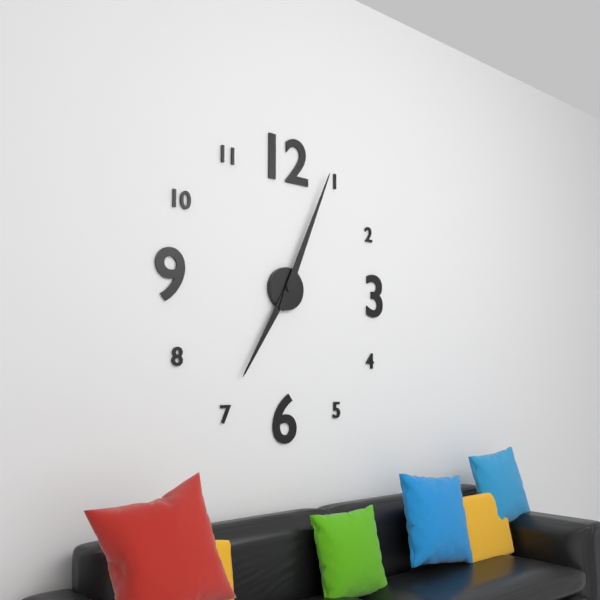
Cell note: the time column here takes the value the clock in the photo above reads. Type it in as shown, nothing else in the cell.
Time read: 7:04
